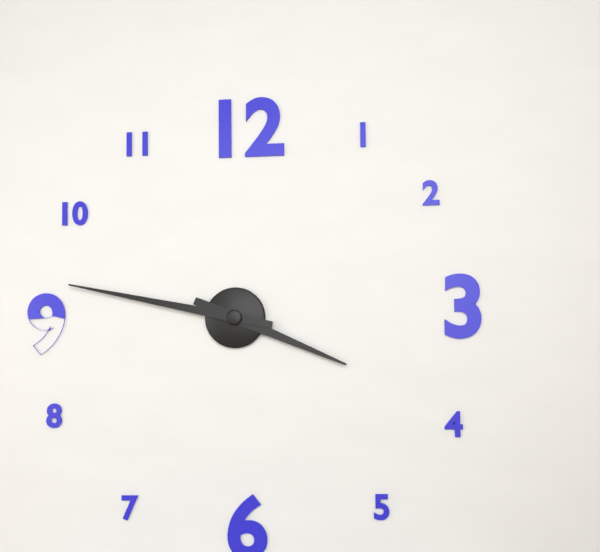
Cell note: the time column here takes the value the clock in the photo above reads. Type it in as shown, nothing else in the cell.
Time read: 3:47
